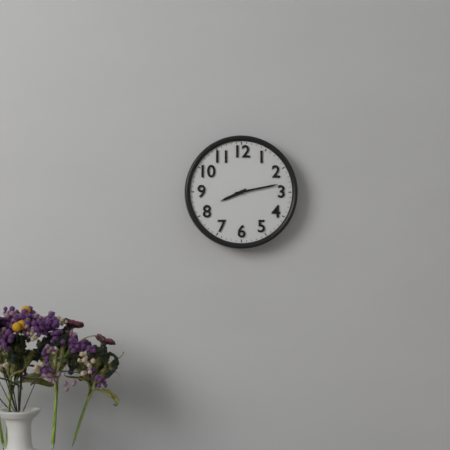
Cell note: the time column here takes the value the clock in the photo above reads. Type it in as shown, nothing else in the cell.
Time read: 8:13
